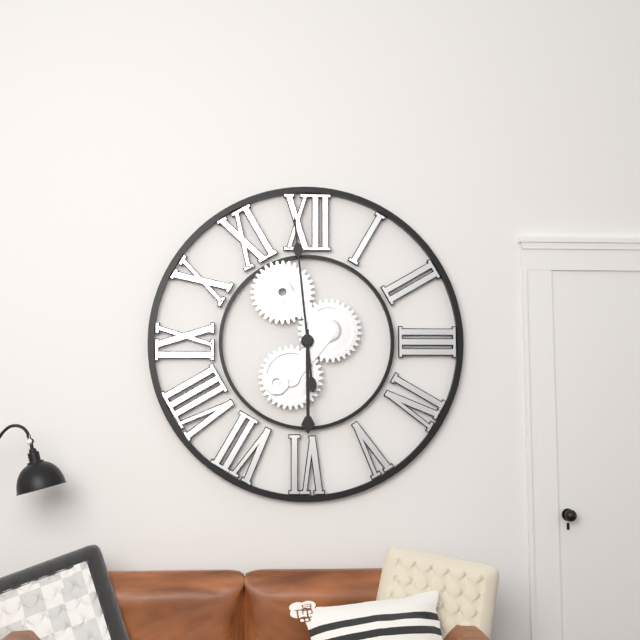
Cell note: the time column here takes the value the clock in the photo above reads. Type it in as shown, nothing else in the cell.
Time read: 5:59
